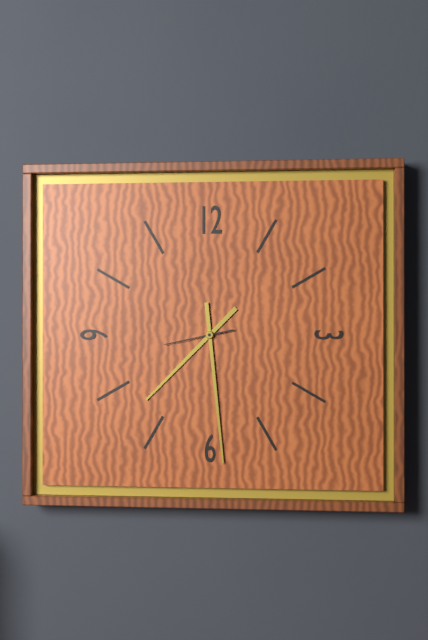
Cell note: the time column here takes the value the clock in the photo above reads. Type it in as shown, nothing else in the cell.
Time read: 7:29:43
